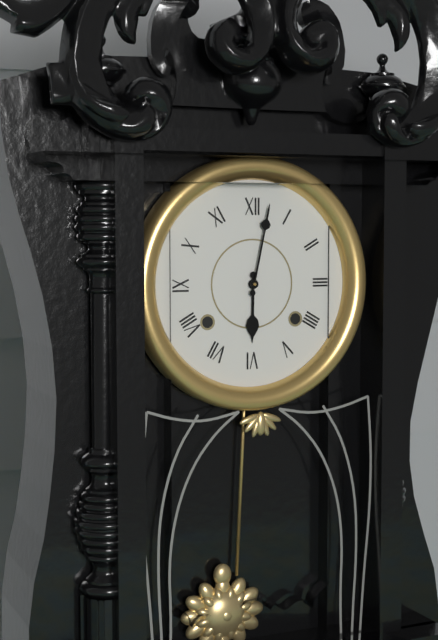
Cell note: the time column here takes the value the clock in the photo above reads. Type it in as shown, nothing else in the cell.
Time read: 6:02
